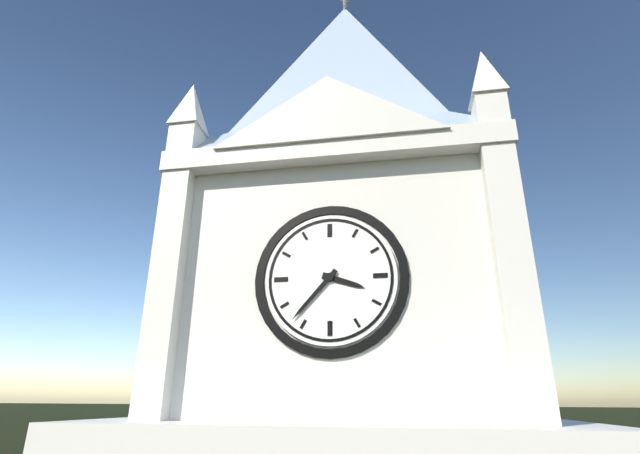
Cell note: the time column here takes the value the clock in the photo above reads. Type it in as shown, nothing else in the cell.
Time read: 3:37
